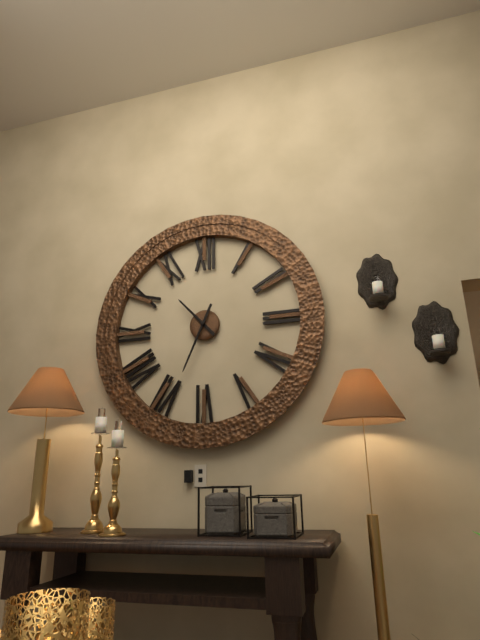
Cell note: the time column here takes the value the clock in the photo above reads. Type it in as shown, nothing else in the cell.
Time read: 10:34
